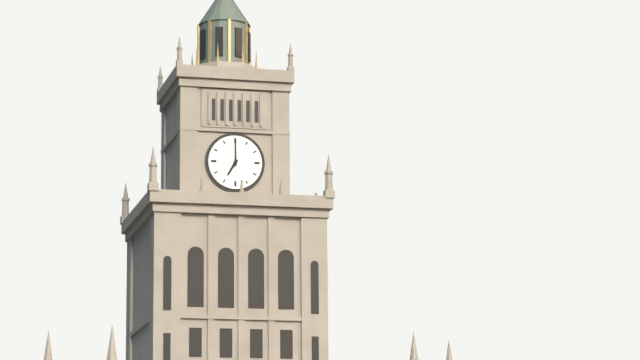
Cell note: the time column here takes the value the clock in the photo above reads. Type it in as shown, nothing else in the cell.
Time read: 7:00
